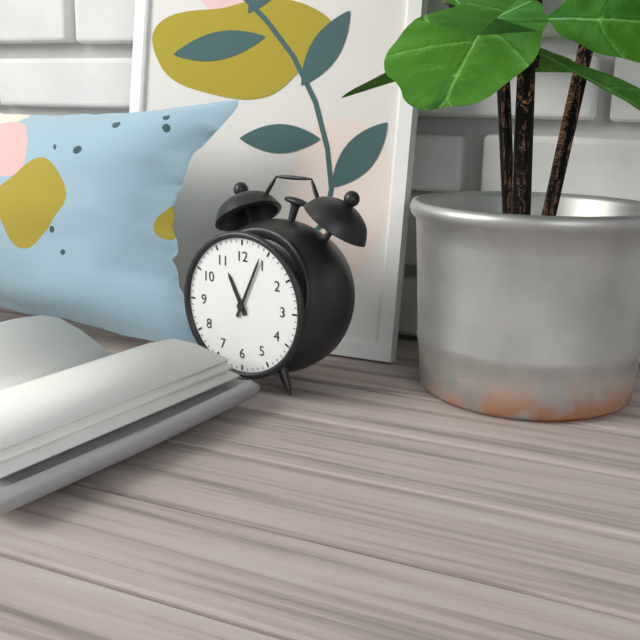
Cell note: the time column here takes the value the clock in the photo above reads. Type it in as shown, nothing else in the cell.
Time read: 11:04
